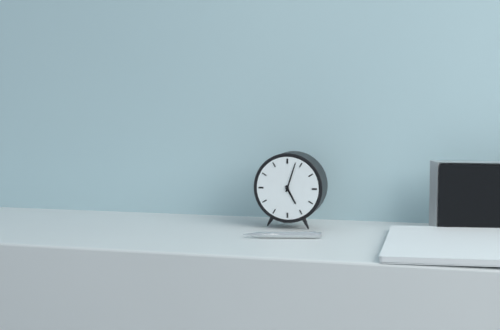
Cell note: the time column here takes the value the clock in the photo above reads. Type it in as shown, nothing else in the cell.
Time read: 5:03
